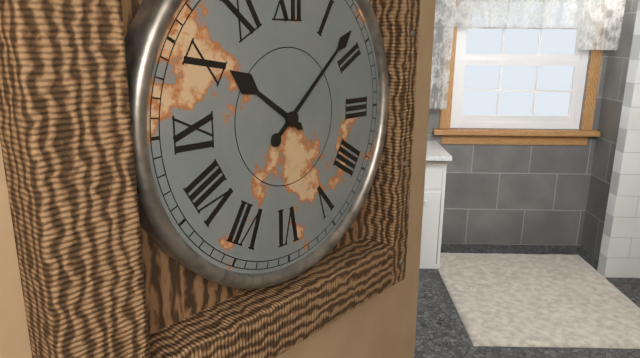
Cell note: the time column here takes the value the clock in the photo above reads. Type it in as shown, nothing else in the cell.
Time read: 10:08
